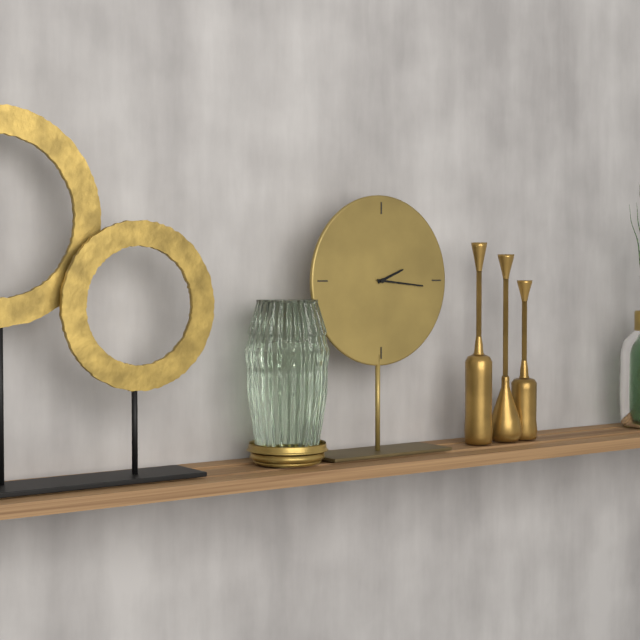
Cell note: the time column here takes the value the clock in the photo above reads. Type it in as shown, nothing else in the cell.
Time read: 2:16
